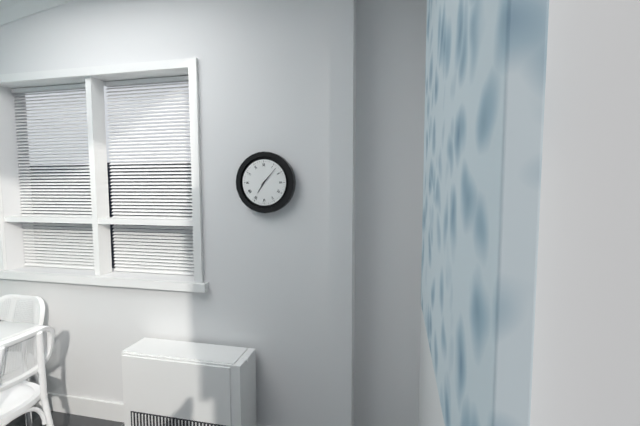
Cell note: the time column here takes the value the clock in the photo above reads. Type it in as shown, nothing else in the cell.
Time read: 7:07
